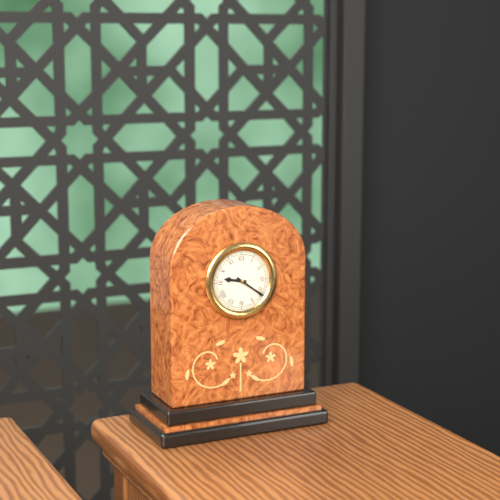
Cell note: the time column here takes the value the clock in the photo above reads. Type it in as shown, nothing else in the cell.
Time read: 9:21
